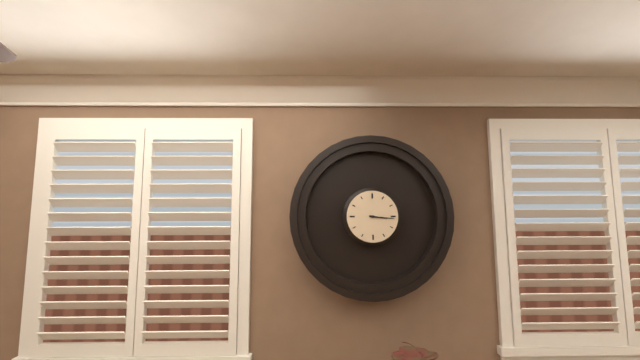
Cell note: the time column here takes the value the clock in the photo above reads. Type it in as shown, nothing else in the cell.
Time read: 3:16
